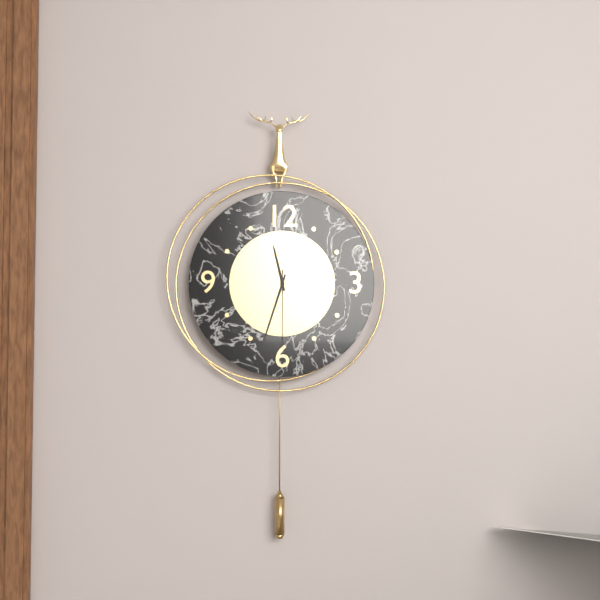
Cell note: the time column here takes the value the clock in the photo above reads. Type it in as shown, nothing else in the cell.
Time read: 11:33:30
